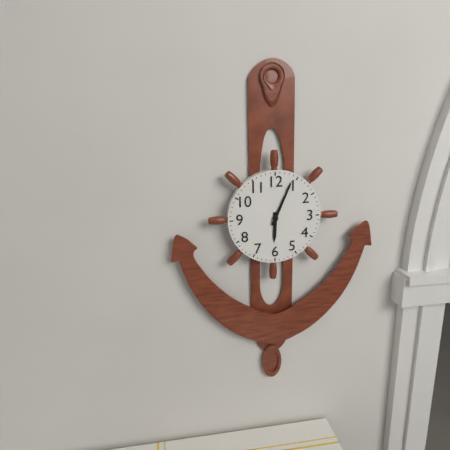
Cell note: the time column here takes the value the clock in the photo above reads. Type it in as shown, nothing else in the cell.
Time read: 6:04
